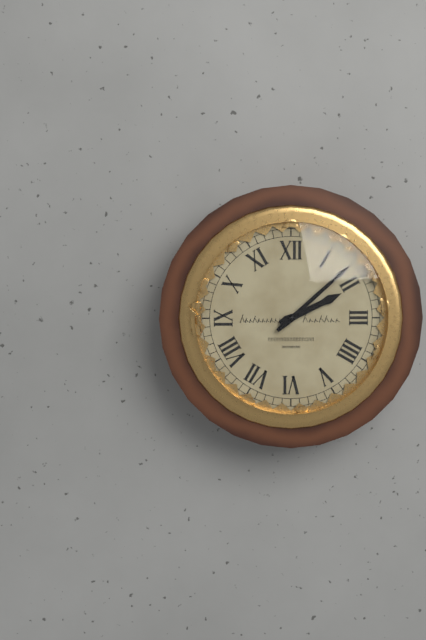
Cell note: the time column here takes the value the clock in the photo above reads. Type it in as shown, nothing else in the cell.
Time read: 2:08
